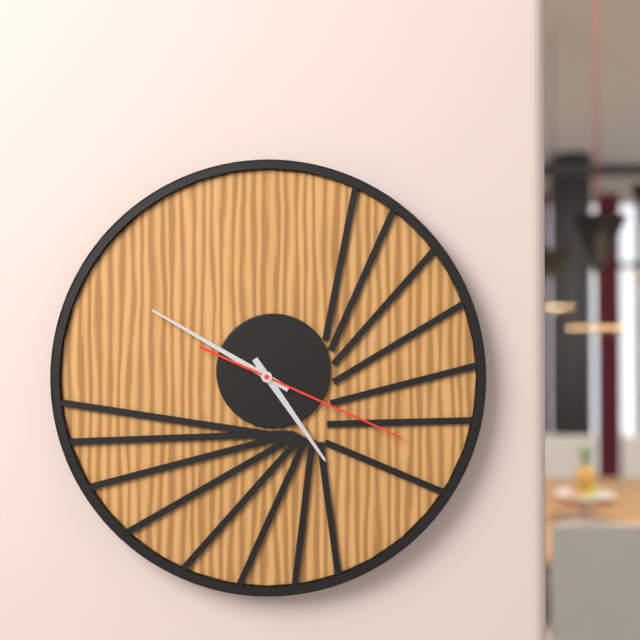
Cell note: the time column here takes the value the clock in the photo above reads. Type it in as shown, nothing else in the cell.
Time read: 4:50:19
